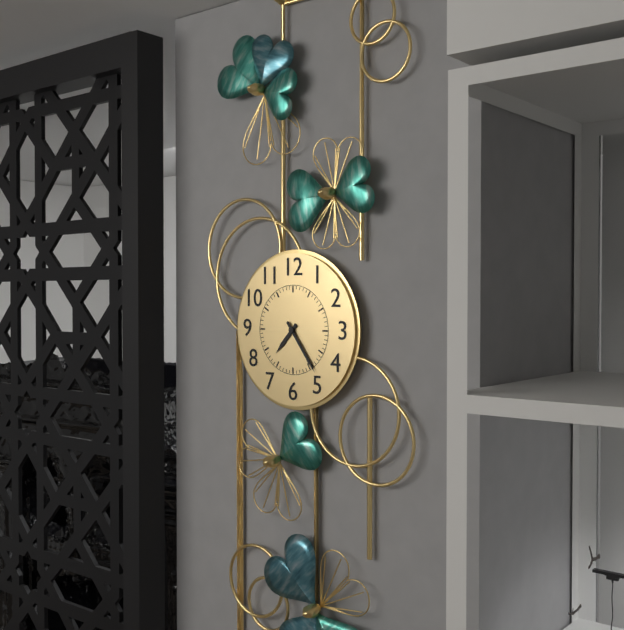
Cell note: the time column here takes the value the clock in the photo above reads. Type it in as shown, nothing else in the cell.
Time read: 7:24
